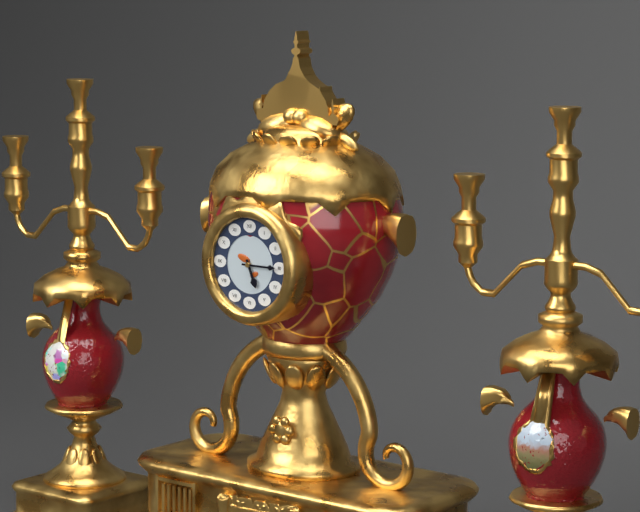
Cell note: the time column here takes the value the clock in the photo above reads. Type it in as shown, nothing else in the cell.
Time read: 5:15
